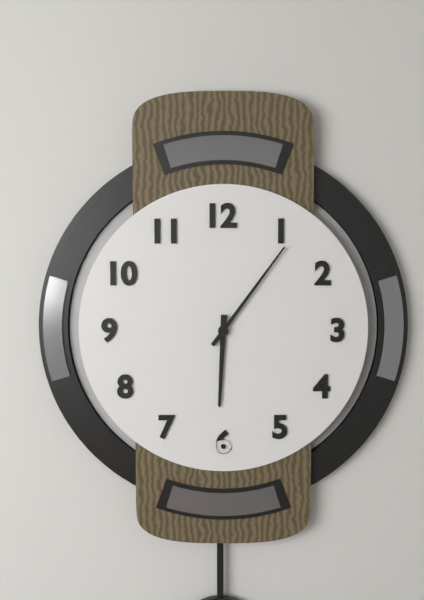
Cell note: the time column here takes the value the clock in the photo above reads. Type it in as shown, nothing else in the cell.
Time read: 6:06
